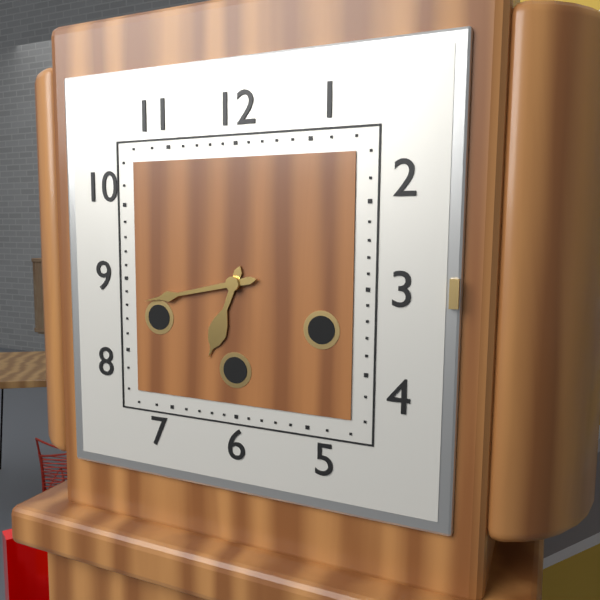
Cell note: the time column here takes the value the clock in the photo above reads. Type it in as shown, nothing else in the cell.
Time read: 6:43
